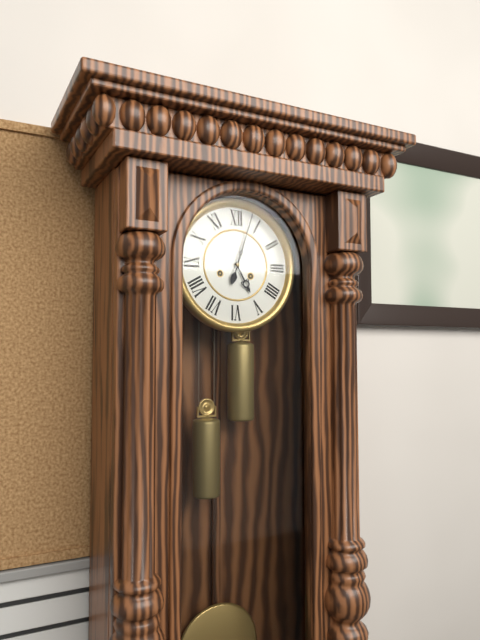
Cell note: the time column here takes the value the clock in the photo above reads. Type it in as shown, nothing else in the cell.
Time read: 5:03
